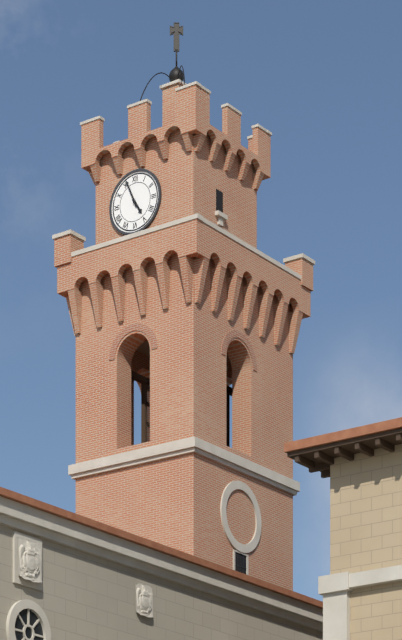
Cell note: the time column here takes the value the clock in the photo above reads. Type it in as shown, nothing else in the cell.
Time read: 4:56
